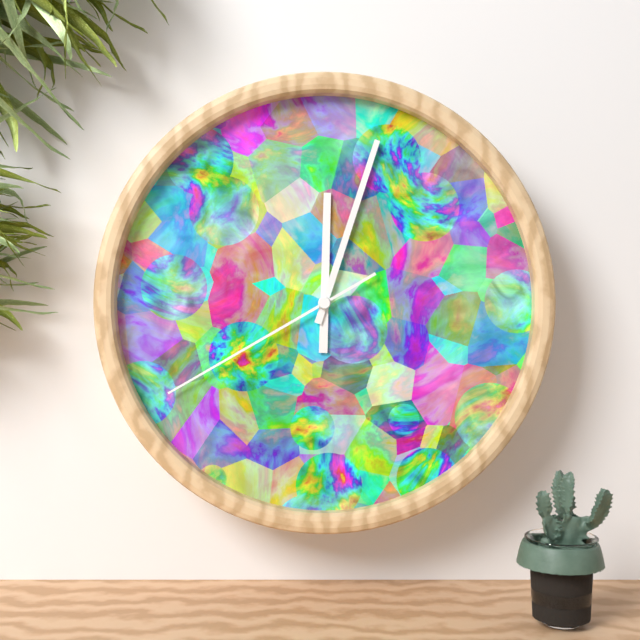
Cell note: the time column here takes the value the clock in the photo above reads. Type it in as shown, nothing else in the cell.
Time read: 12:03:40
